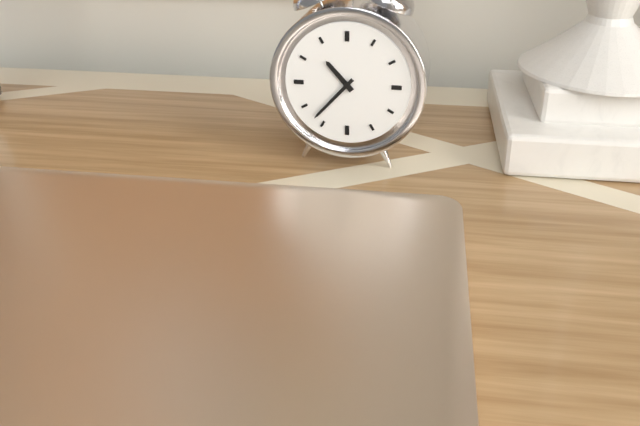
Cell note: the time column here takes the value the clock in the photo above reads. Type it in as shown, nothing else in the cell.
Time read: 10:37
